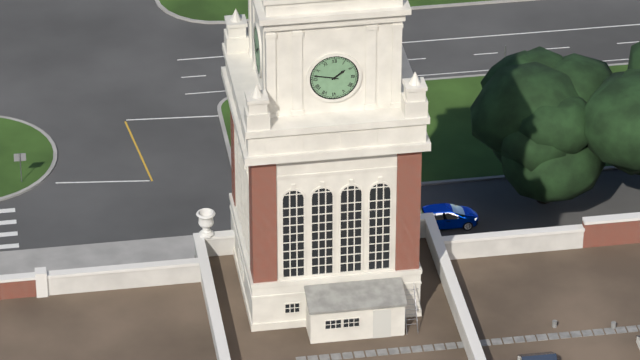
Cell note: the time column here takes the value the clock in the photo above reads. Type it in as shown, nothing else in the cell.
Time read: 1:47
